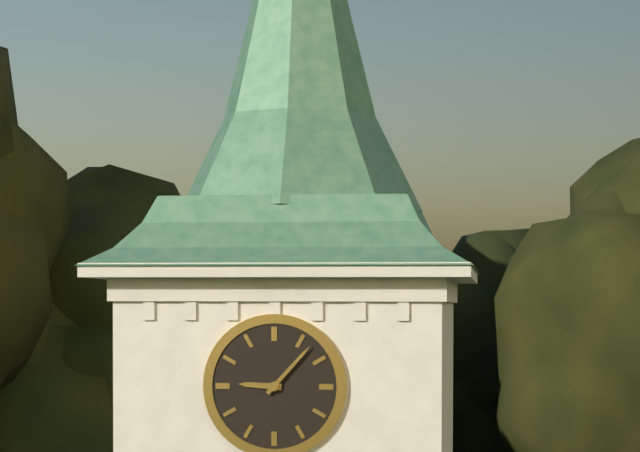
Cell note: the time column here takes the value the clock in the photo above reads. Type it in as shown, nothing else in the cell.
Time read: 9:07
